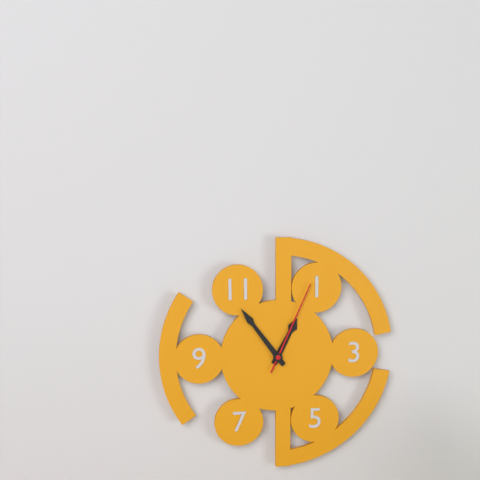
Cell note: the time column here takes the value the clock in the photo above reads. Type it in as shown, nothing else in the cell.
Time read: 12:54:04
